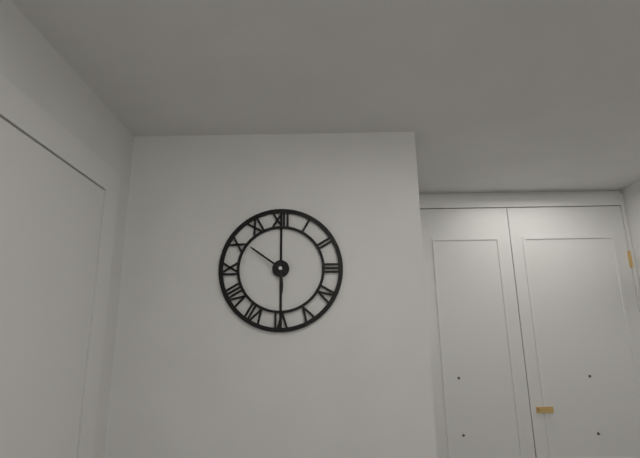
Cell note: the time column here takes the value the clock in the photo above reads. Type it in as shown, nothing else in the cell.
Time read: 5:51
